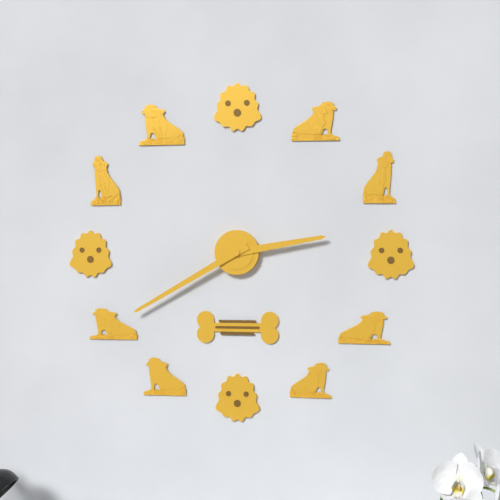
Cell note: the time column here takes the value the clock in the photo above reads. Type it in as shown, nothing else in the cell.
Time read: 2:40
